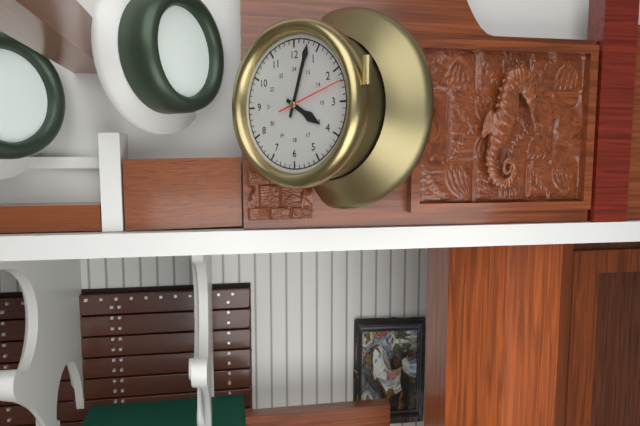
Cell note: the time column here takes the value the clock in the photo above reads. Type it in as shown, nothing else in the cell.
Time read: 4:03:12
